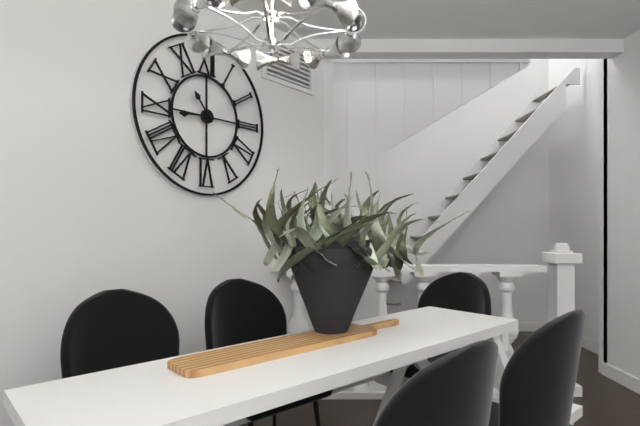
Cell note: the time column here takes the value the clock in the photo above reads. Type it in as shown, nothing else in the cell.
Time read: 10:44
